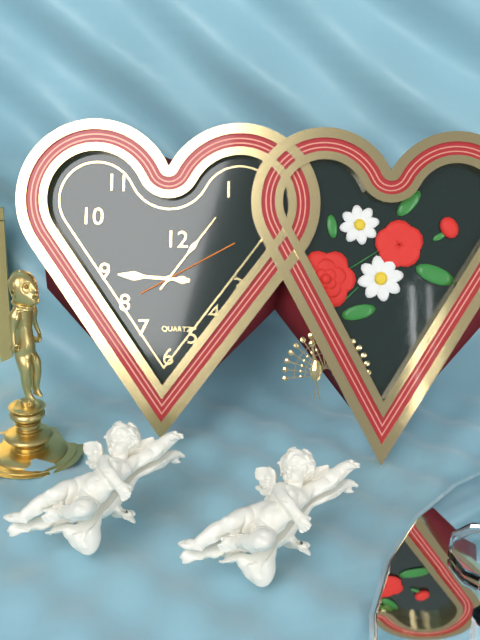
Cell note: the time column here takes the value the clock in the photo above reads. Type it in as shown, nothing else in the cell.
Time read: 9:06:10
